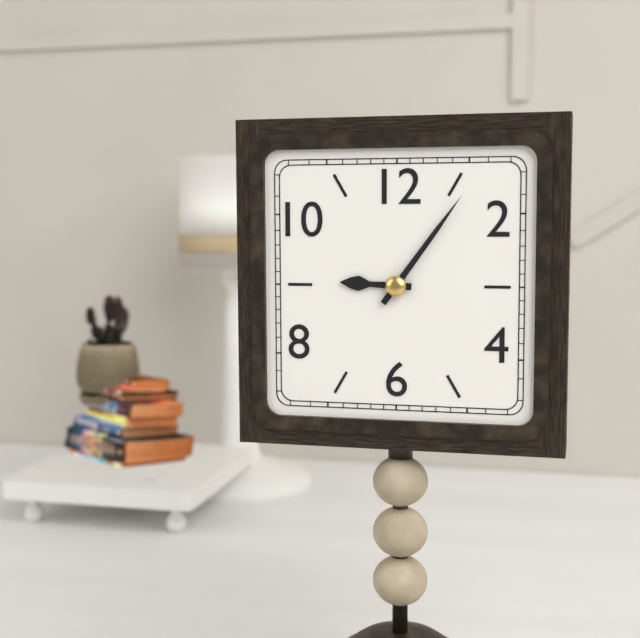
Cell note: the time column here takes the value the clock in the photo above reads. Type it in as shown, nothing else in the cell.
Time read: 9:06
